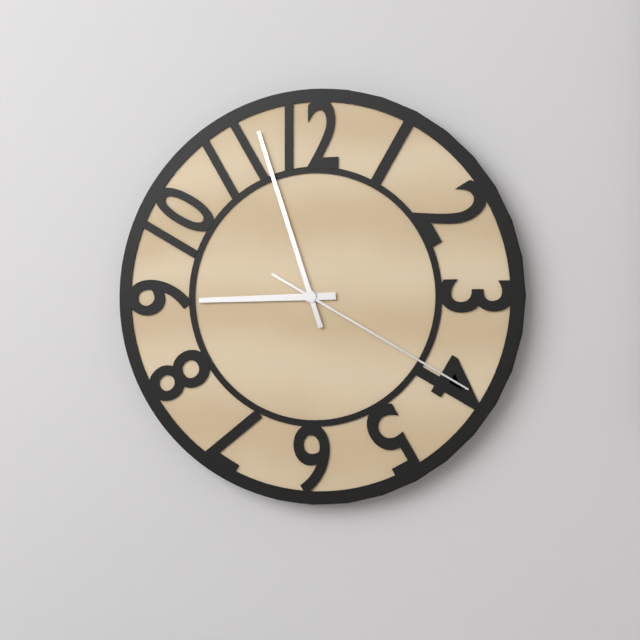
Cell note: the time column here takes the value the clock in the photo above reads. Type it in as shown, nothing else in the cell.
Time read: 8:57:20
